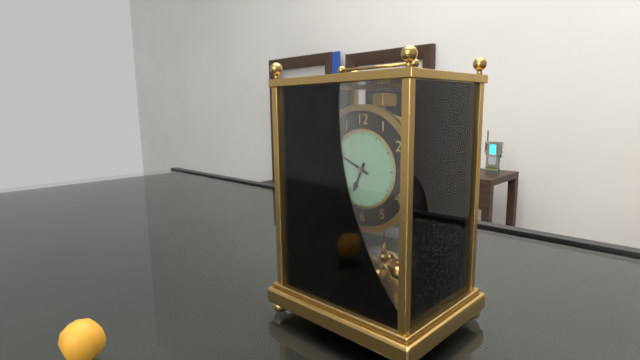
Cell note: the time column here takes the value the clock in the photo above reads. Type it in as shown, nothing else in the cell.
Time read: 6:49
